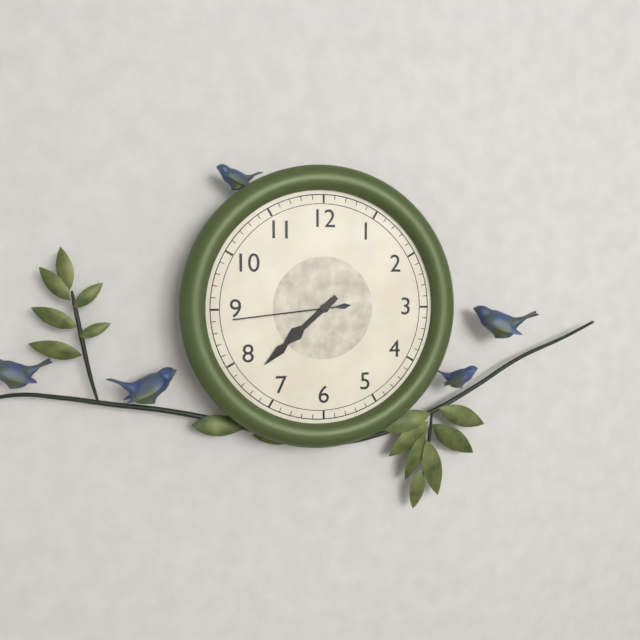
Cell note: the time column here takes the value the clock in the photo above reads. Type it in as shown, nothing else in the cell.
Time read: 7:38:44
